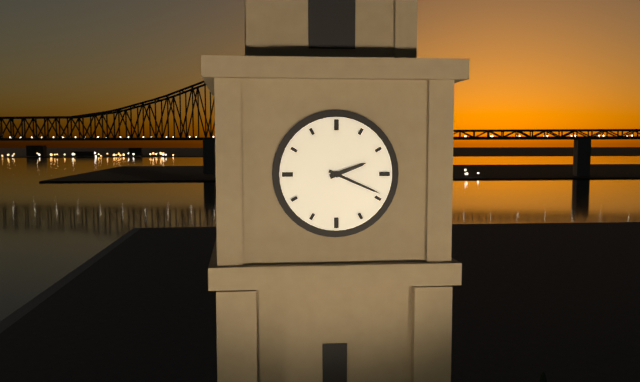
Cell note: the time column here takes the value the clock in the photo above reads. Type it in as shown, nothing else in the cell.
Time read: 2:19
